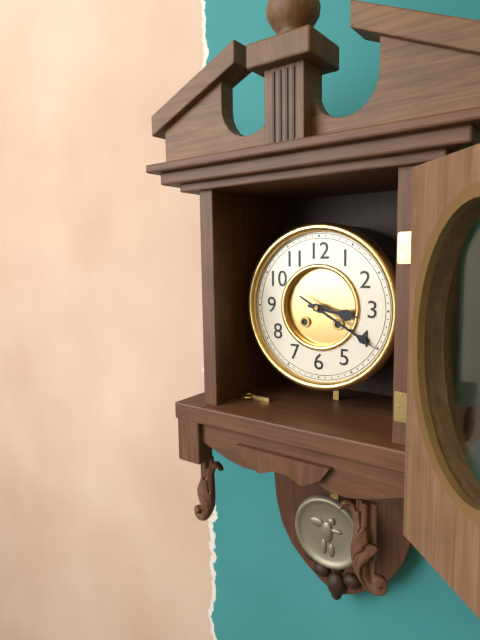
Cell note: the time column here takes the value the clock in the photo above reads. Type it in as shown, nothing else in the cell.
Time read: 3:20
